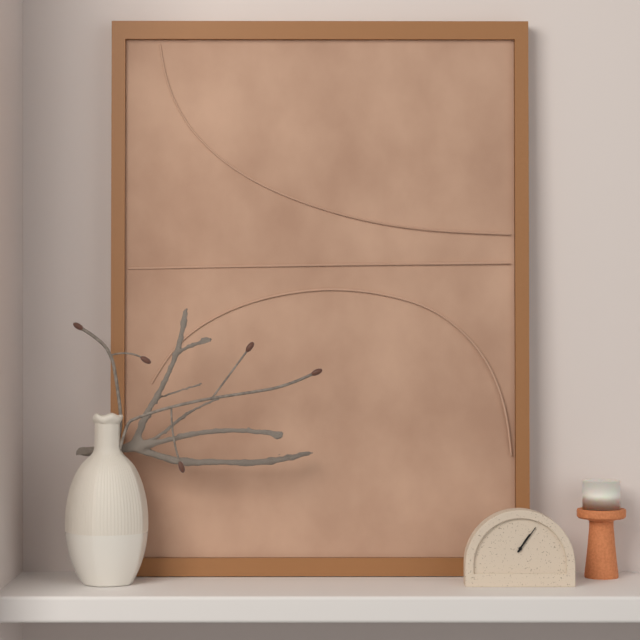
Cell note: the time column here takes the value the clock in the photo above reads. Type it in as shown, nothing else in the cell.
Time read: 1:06
